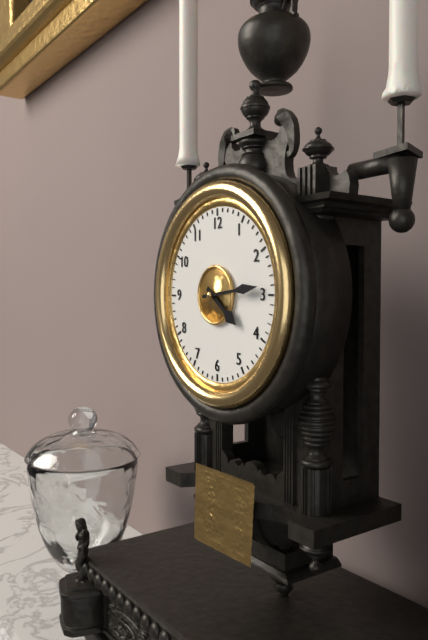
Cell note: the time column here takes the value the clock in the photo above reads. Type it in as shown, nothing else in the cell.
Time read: 4:14
